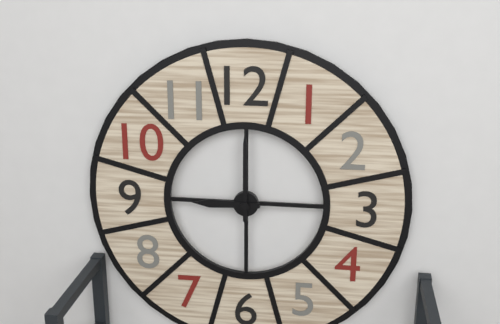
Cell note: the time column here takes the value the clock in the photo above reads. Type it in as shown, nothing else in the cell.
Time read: 9:00
